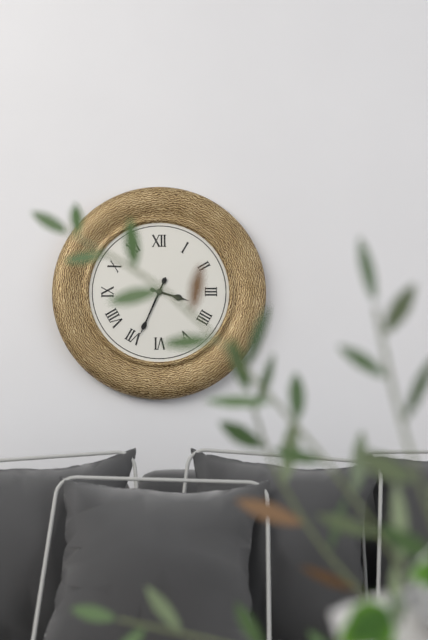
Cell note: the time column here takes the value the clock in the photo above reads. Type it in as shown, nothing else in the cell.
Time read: 3:34
